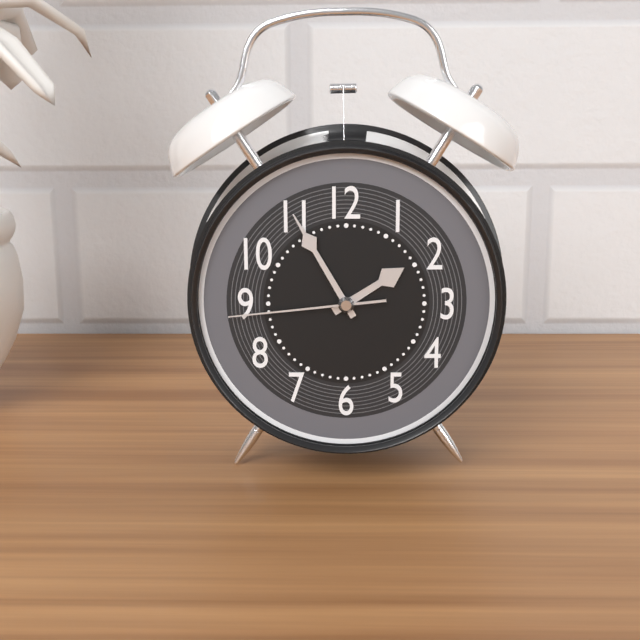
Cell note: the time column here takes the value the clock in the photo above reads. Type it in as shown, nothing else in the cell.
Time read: 1:55:44
